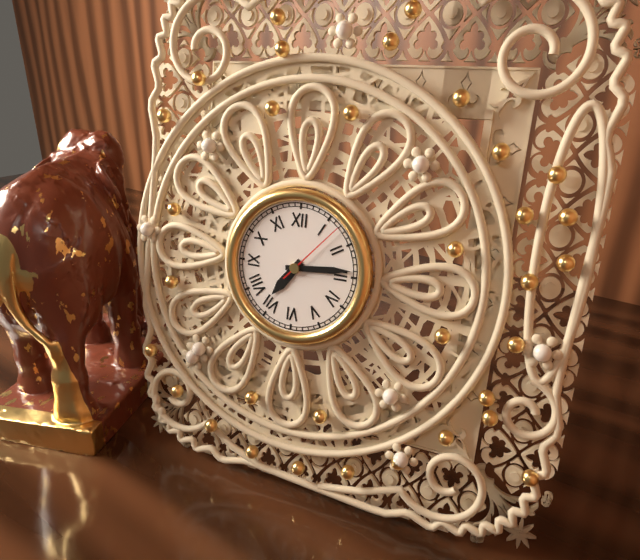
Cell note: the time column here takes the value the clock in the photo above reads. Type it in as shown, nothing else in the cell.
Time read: 7:14:07
